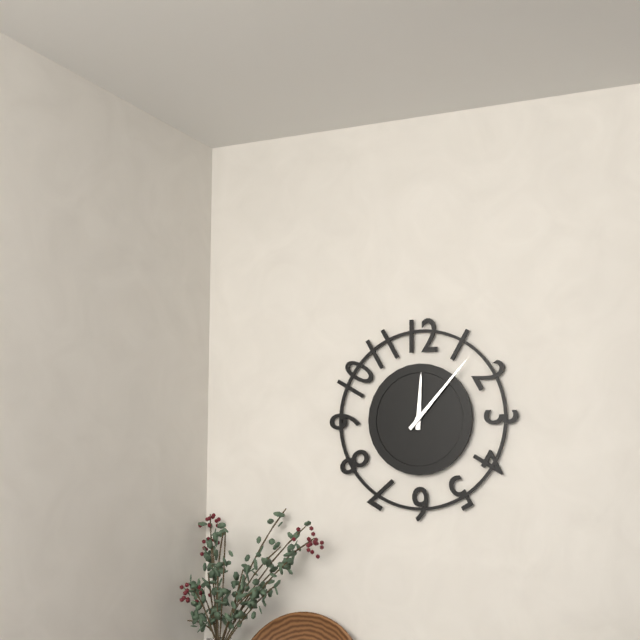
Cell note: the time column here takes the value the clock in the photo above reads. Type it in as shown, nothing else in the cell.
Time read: 12:07
